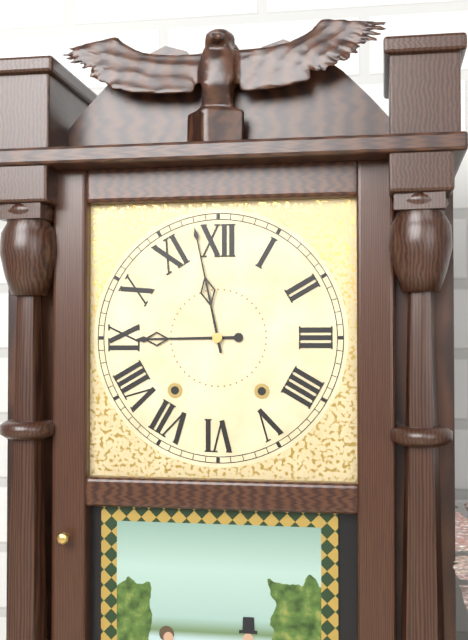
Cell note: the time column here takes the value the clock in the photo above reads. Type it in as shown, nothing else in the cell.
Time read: 8:58
